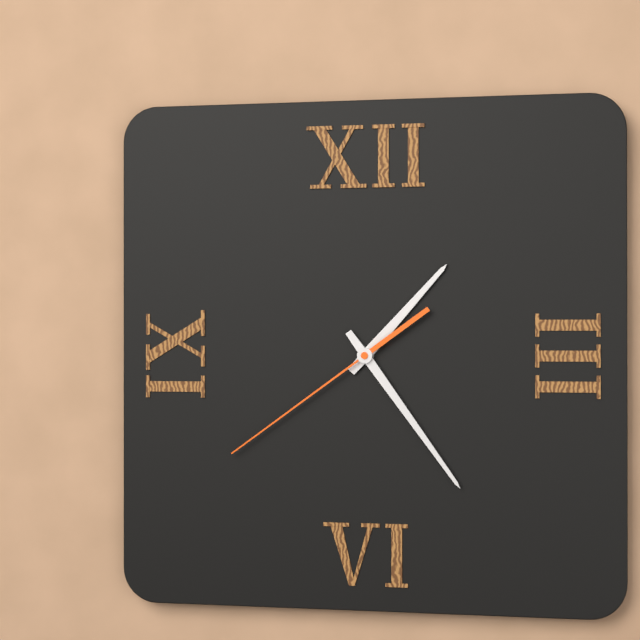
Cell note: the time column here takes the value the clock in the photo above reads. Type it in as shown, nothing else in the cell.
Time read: 1:24:39
